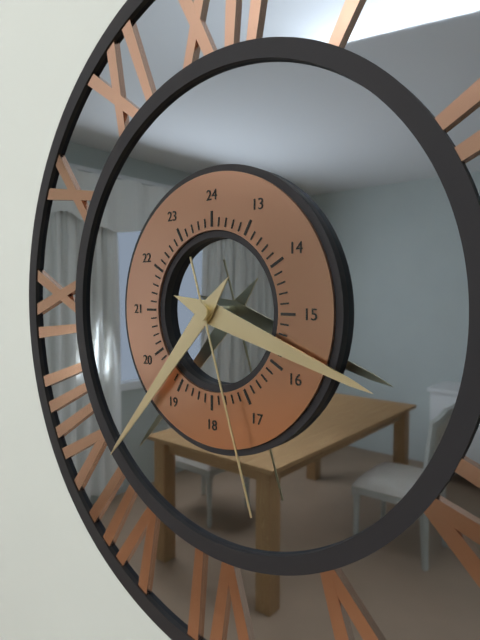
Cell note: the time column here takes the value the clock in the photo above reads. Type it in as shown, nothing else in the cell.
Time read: 3:37:27
